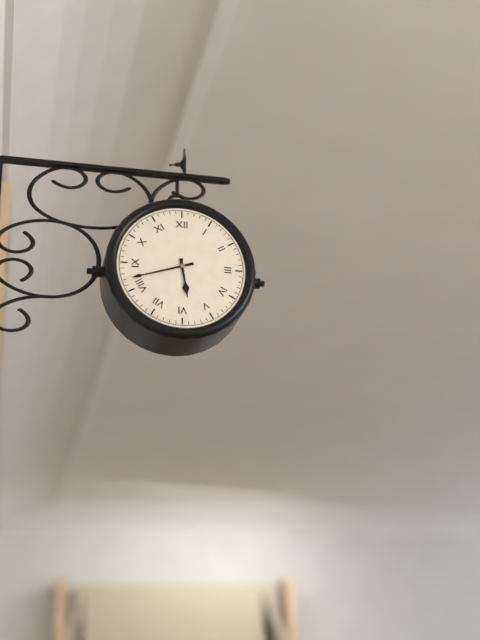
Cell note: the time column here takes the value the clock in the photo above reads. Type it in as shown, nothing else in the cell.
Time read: 5:42
